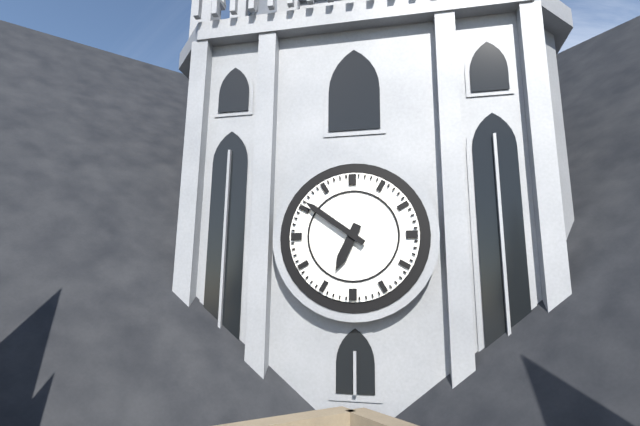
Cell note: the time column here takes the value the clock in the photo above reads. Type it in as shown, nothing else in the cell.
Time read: 6:51
